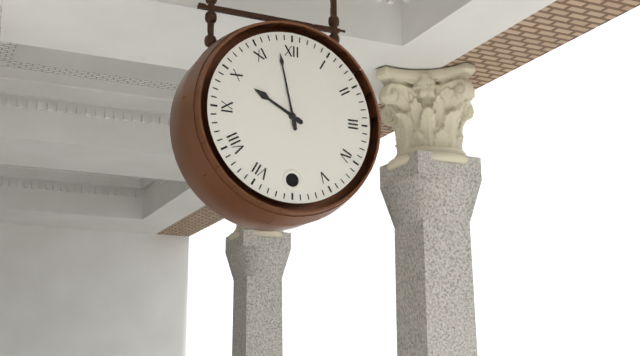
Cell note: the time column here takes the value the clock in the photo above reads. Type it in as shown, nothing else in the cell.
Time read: 9:58
